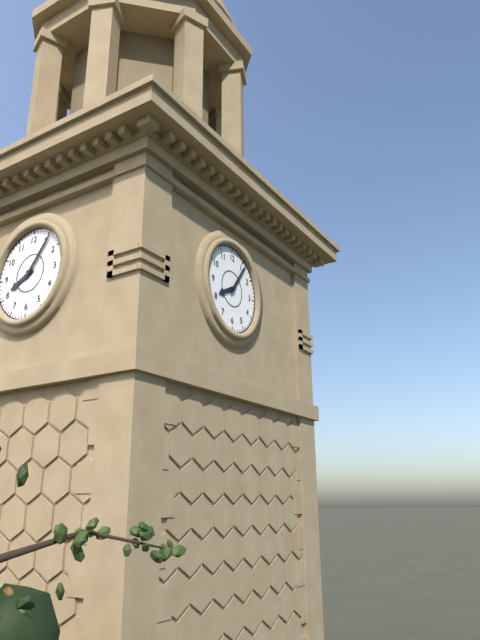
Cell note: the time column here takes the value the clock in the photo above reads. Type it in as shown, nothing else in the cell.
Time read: 8:06
